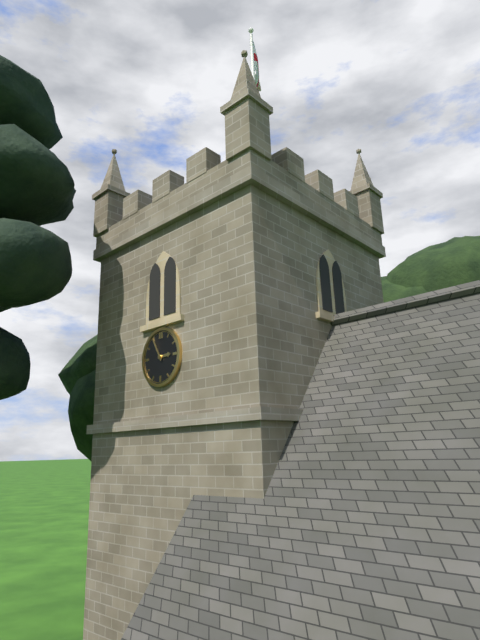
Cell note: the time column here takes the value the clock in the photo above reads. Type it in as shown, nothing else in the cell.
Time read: 2:55
